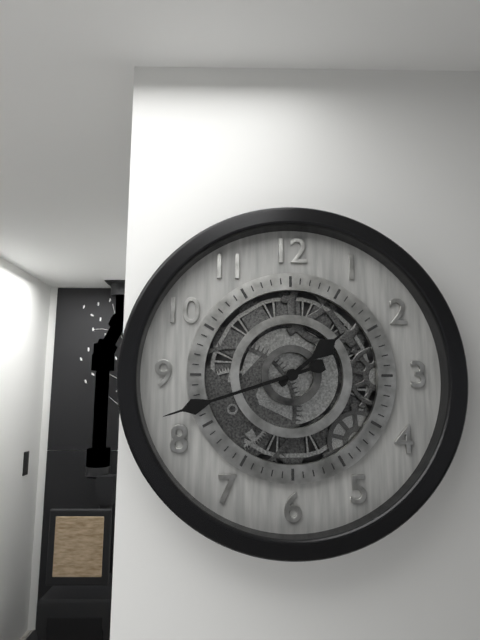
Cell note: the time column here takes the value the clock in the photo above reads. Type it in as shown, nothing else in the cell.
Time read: 1:42
